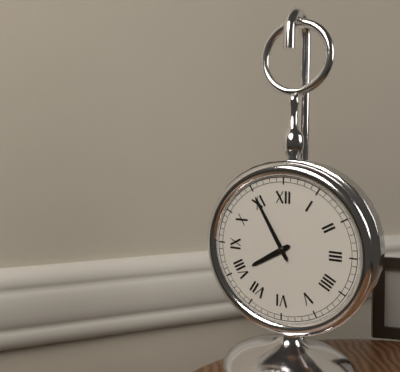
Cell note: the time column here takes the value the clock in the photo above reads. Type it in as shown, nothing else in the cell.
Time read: 7:55
